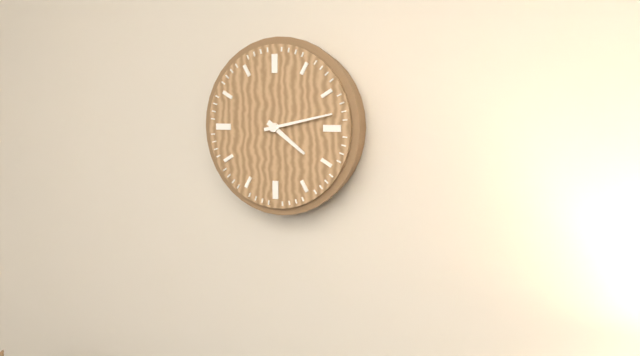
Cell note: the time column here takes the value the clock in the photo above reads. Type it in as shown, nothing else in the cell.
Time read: 4:13
